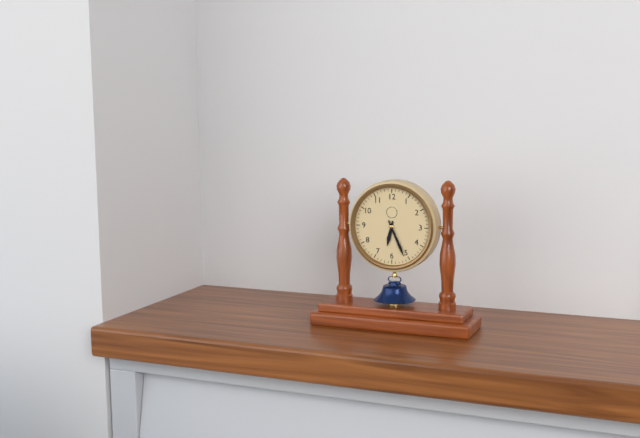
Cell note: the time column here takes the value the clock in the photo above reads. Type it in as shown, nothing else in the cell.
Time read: 6:26
